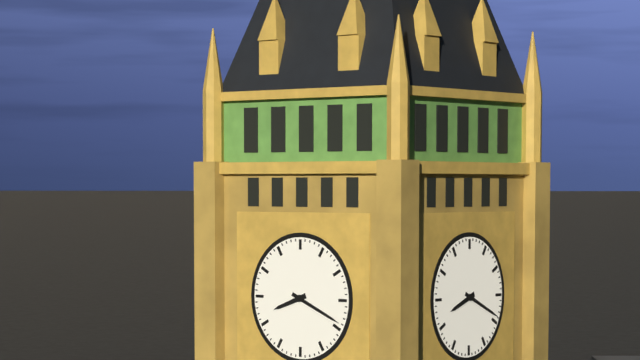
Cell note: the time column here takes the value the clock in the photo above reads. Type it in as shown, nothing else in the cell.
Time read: 8:19
